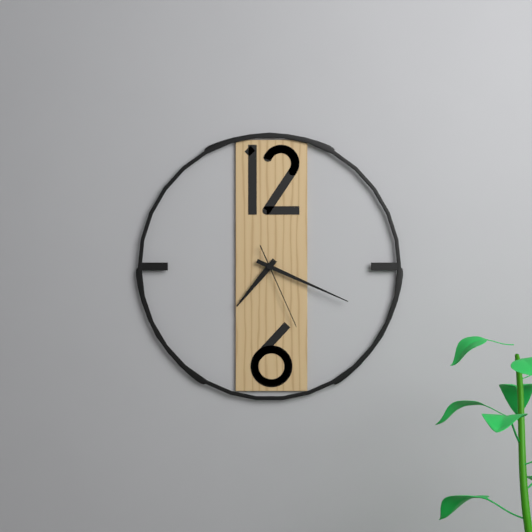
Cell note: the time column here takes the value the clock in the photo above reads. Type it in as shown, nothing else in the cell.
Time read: 7:19:26
